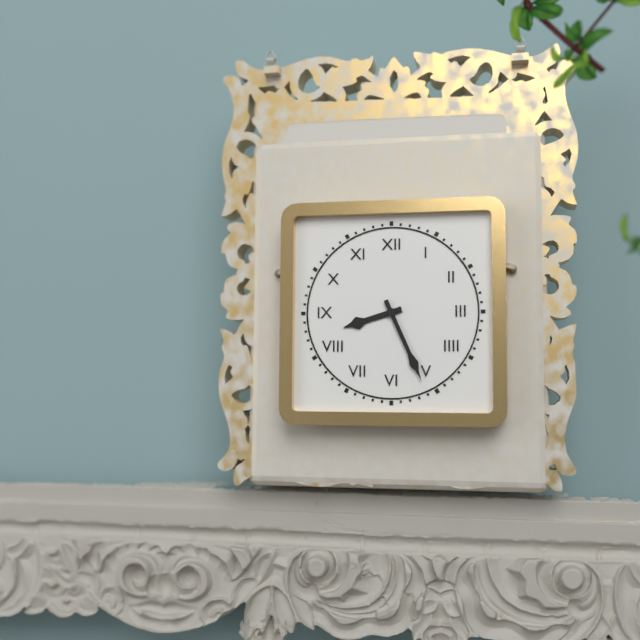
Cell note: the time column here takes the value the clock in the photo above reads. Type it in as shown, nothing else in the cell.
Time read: 8:26
